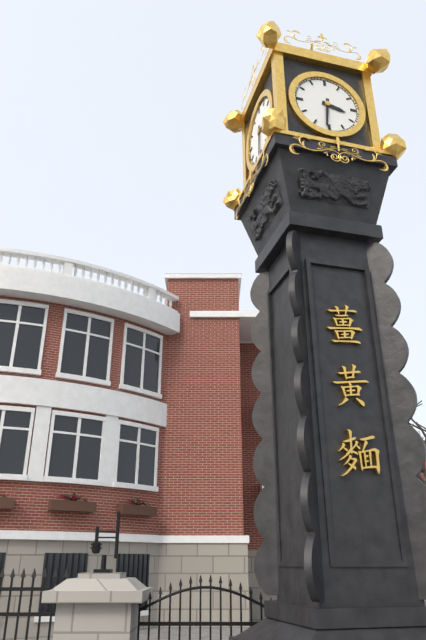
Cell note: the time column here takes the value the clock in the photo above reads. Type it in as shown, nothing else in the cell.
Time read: 3:31
